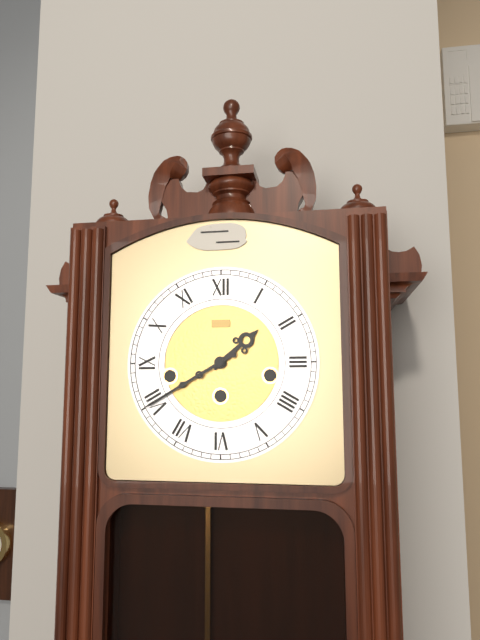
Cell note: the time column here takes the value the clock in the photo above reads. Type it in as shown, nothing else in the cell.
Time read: 1:40
